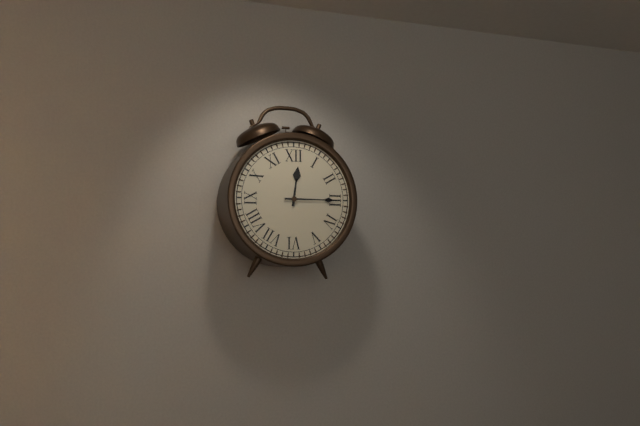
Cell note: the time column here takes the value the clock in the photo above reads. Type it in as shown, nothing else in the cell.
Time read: 12:15
